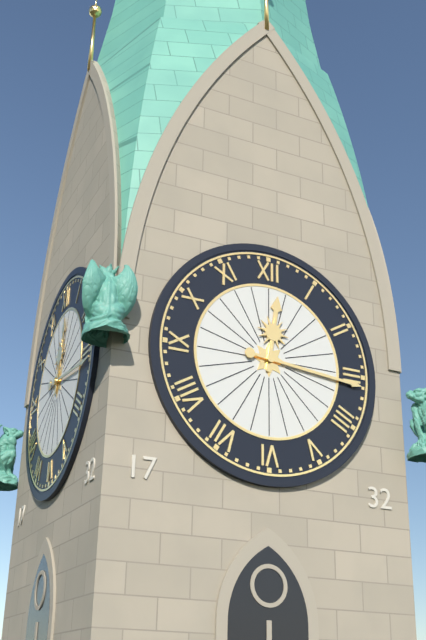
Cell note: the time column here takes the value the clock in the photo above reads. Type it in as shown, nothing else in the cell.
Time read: 12:16
